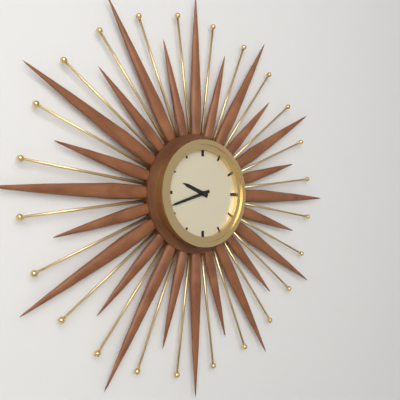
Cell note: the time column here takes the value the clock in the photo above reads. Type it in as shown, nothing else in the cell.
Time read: 9:42
